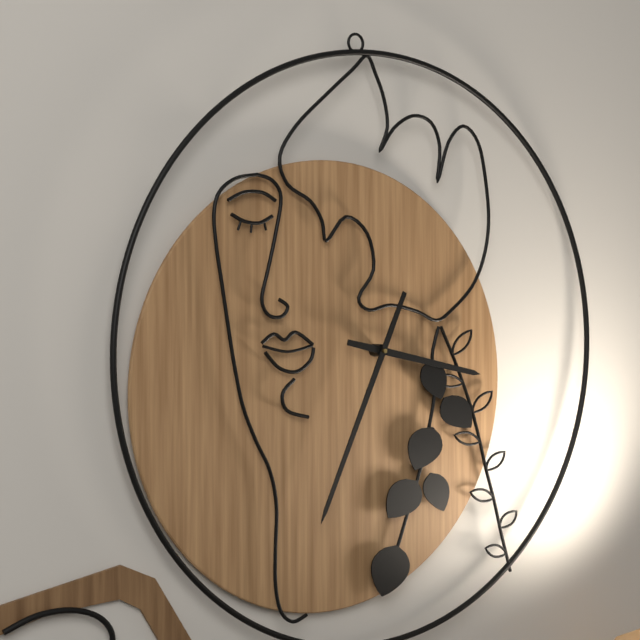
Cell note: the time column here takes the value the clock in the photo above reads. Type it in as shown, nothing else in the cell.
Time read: 3:35
